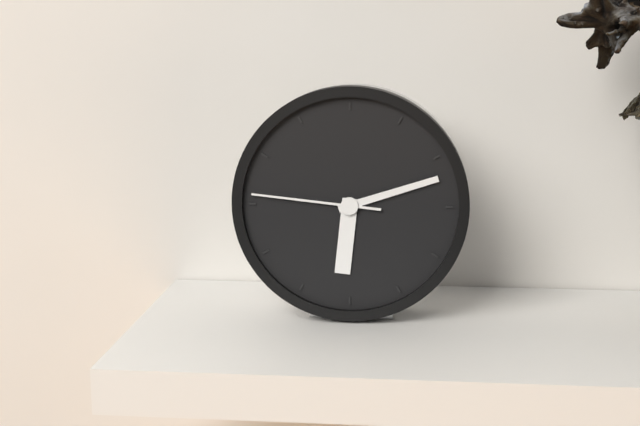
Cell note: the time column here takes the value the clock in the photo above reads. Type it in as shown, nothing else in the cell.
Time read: 6:12:46
